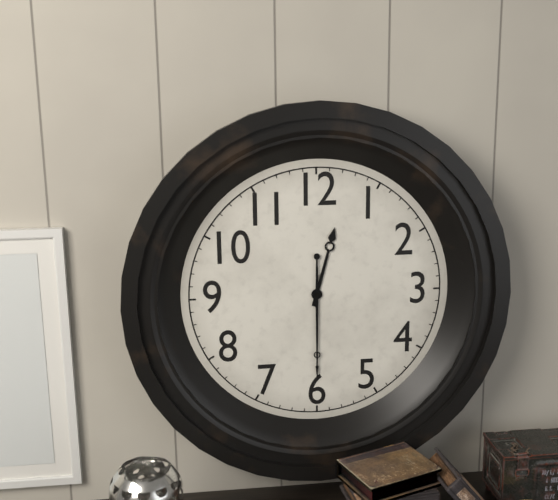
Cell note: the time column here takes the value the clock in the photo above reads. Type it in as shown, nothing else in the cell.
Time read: 12:30
